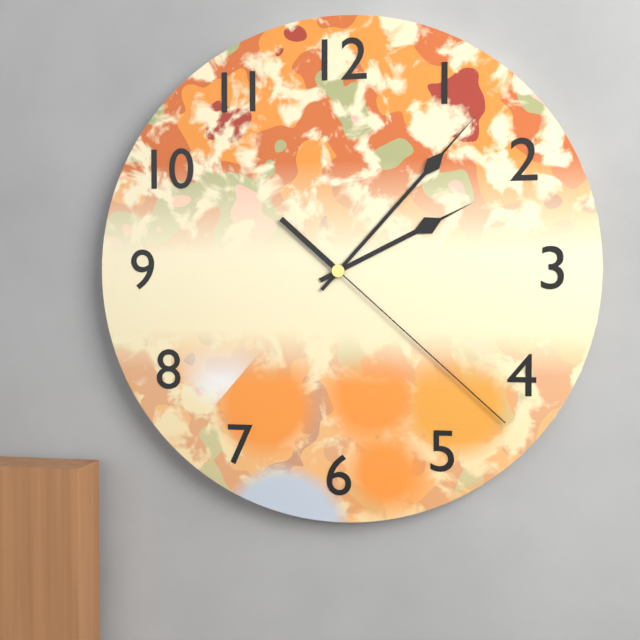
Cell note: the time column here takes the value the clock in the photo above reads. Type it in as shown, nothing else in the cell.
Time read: 2:07:22
